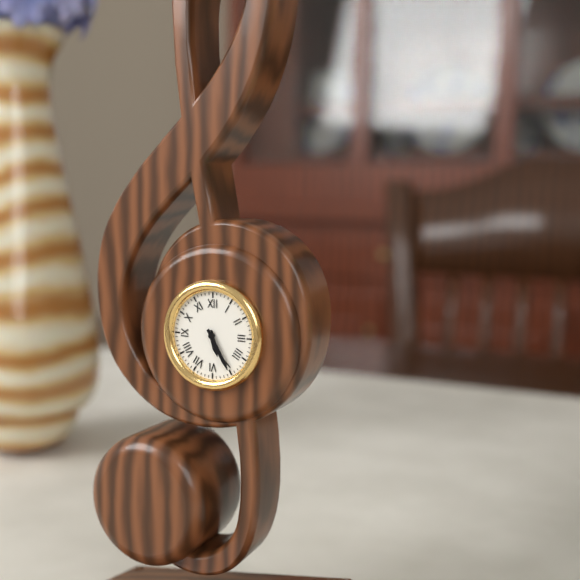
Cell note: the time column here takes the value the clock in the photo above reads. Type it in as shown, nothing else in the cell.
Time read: 5:25
